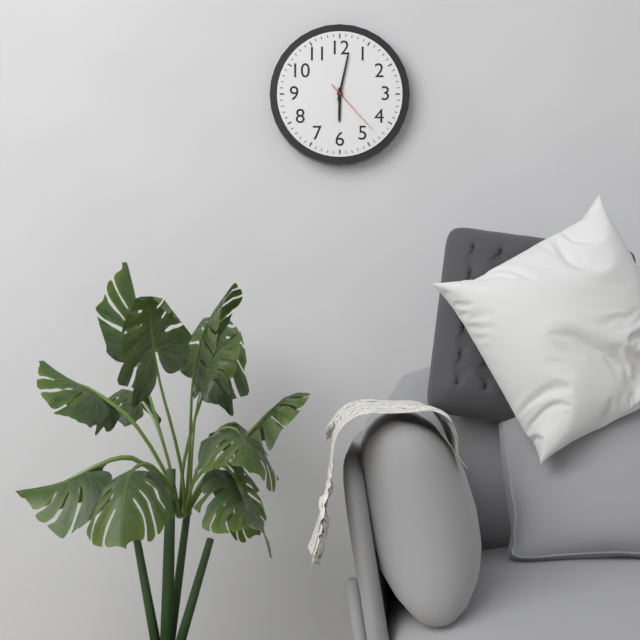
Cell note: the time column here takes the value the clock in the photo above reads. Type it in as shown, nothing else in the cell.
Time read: 6:02:23
